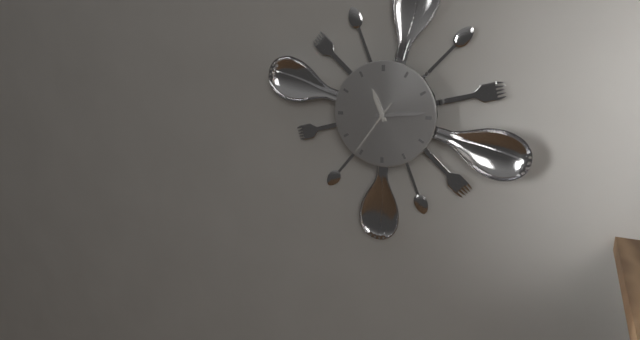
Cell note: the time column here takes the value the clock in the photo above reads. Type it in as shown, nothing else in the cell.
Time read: 11:14:36
